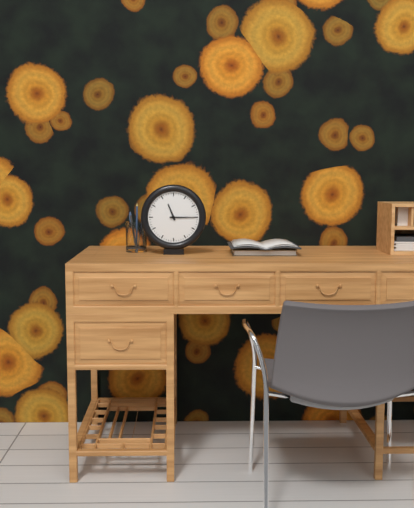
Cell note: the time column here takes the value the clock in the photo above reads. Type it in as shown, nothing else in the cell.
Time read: 11:15
